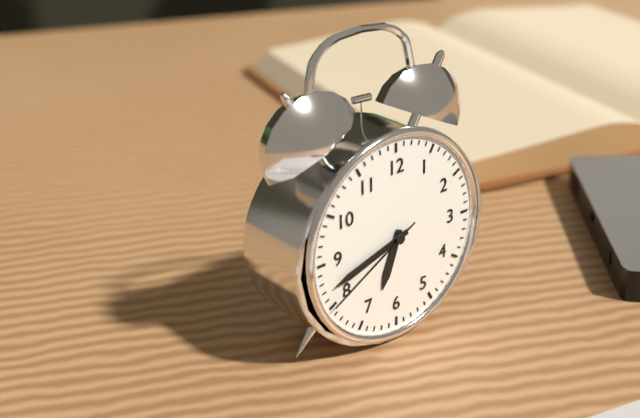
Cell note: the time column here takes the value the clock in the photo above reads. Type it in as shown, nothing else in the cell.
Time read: 6:42:40
